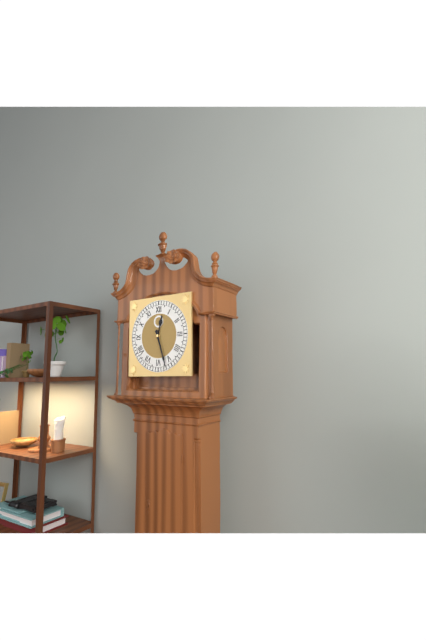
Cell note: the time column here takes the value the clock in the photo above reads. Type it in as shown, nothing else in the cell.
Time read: 12:27
